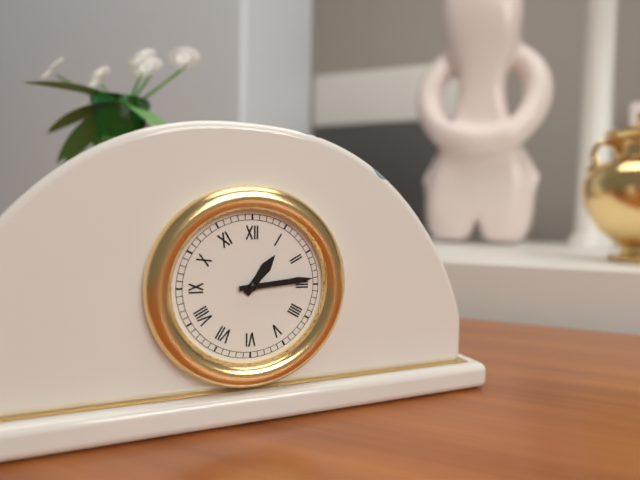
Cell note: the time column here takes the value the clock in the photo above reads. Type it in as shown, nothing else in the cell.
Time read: 1:14
